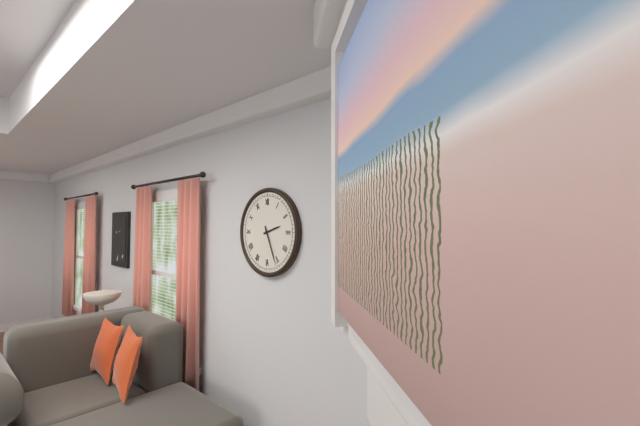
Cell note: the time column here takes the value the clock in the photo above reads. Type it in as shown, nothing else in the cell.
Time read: 2:26
